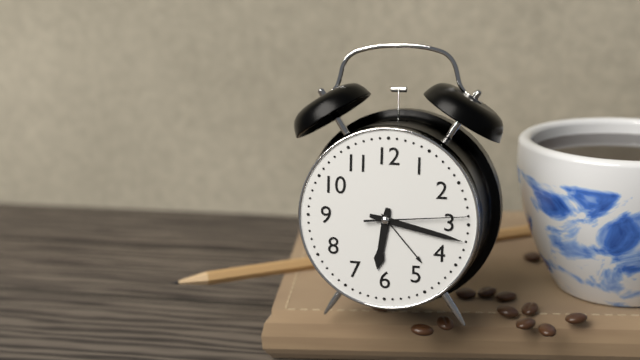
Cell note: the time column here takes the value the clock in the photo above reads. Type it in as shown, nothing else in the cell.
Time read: 6:17:14
